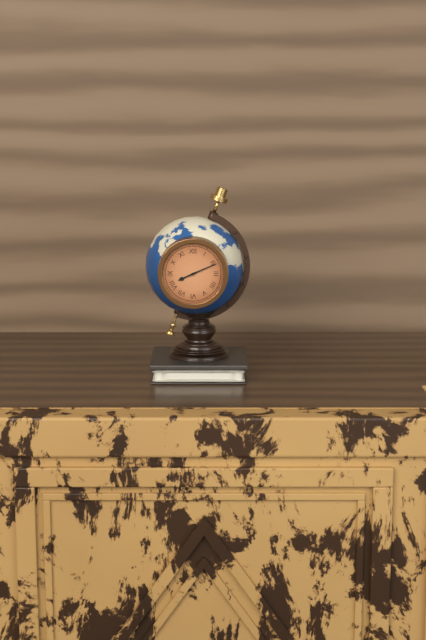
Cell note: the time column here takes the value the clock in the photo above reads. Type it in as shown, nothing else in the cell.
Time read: 8:11
